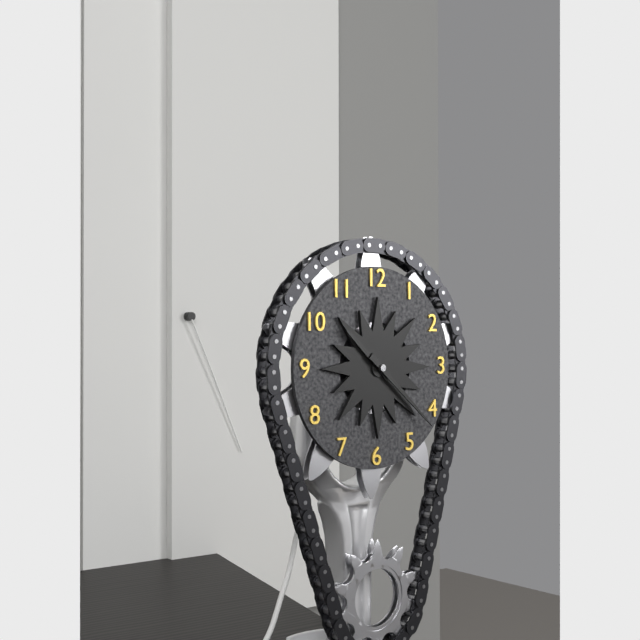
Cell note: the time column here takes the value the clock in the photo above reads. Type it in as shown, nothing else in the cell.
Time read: 10:22
